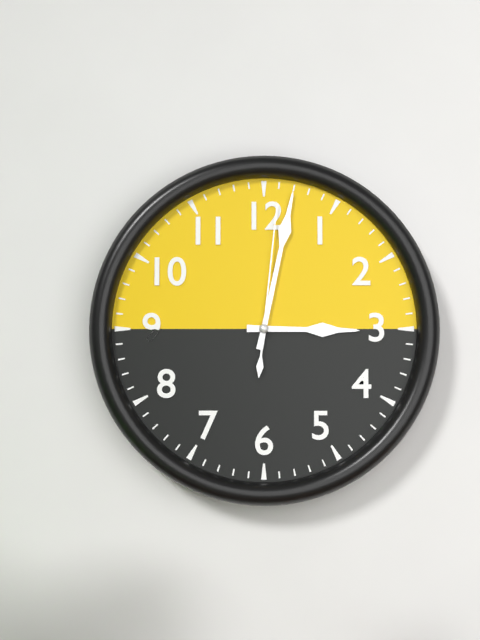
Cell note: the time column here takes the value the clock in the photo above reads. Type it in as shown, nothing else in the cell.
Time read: 3:02:01
